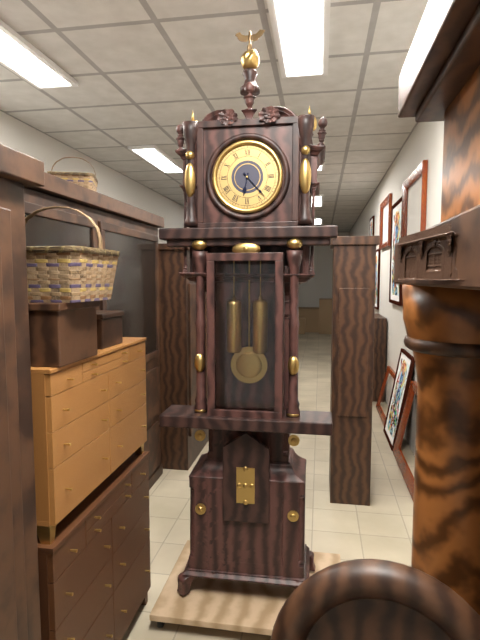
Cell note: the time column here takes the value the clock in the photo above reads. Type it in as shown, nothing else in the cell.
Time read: 6:23
